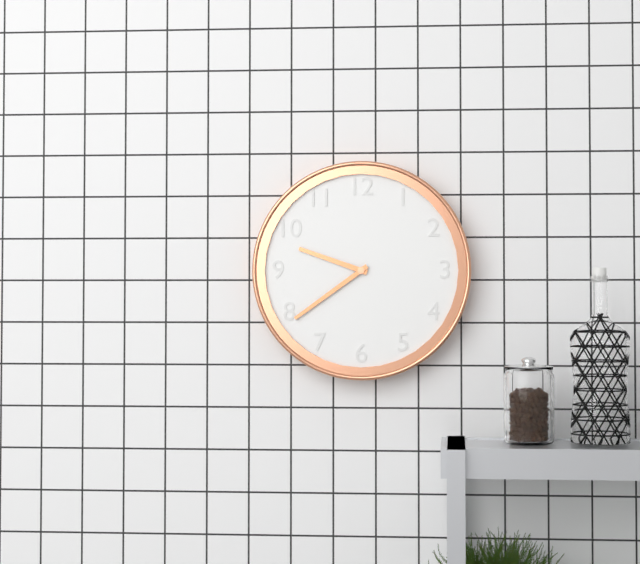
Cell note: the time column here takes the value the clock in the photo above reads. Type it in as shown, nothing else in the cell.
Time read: 9:39
